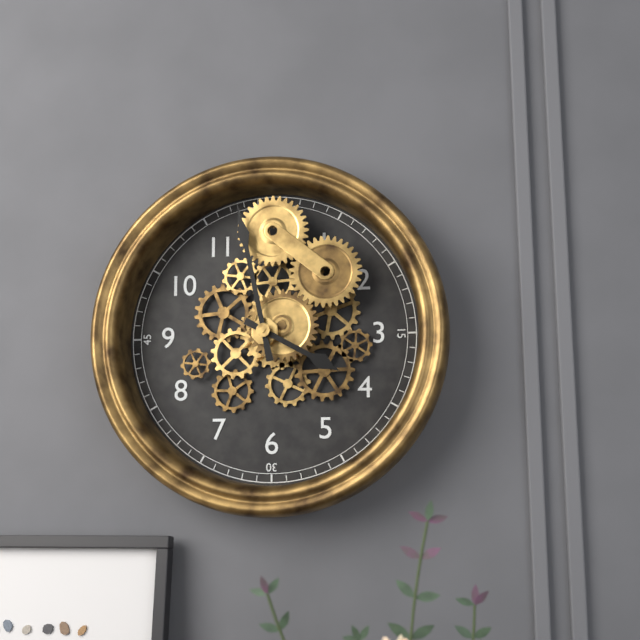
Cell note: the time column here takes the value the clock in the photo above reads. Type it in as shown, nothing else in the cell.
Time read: 3:58
